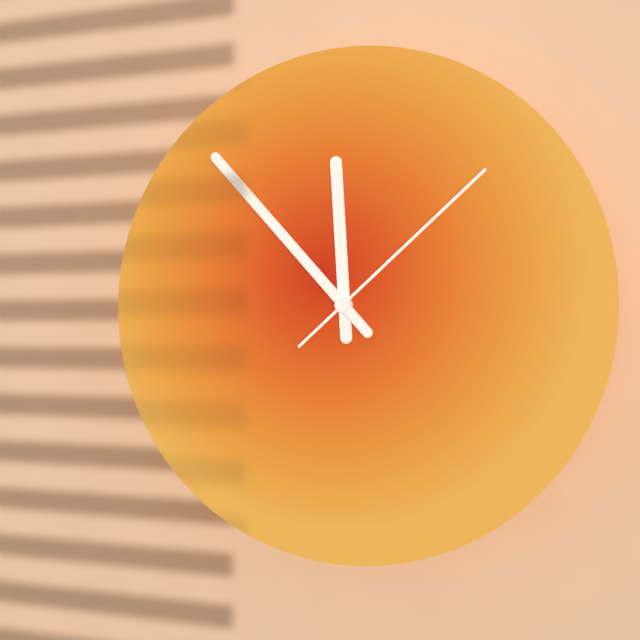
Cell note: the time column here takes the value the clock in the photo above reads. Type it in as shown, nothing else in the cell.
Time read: 11:53:08
